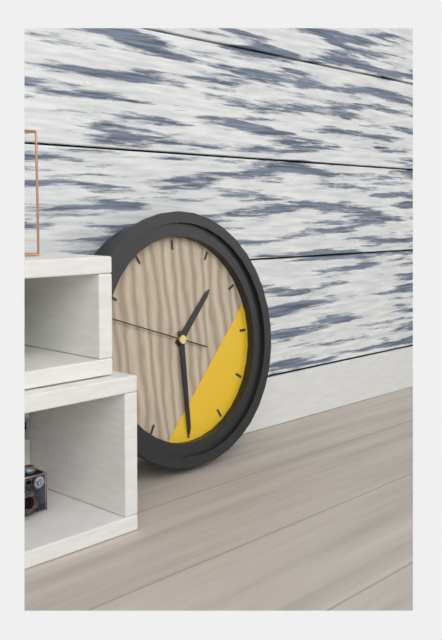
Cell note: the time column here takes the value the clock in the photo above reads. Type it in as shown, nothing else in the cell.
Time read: 1:30:48
